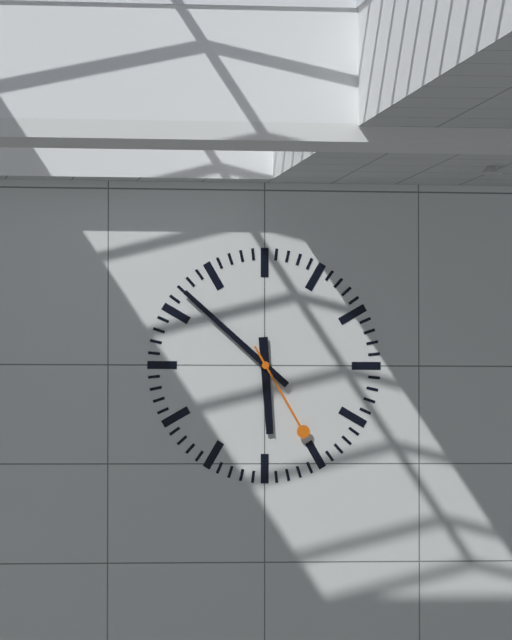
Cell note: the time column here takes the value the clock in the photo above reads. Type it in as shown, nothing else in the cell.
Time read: 5:52:25
